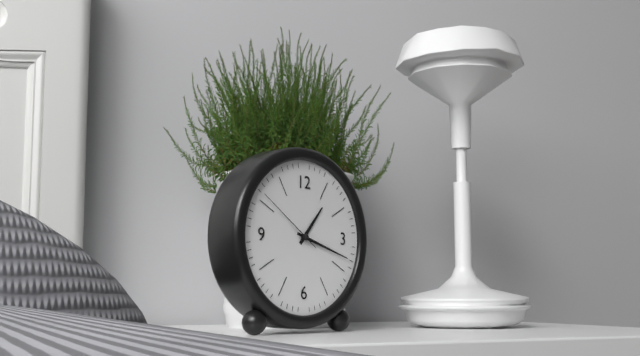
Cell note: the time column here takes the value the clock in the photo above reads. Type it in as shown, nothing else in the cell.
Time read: 1:18:51
